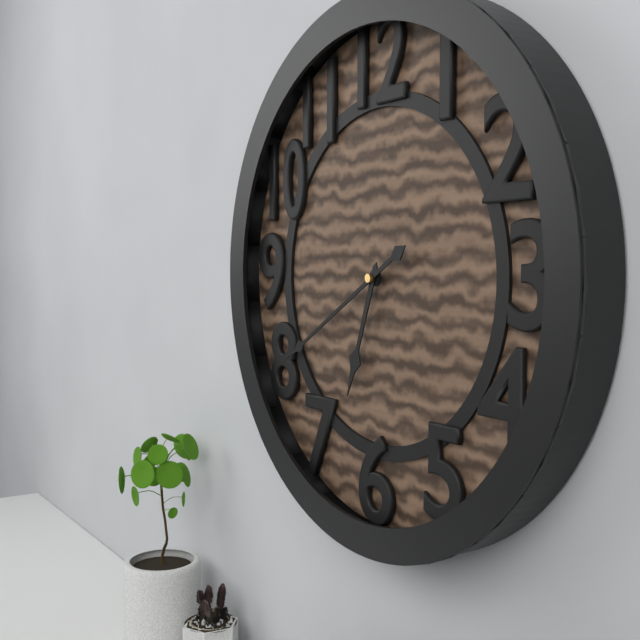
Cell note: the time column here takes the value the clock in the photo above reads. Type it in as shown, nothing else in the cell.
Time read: 6:40
